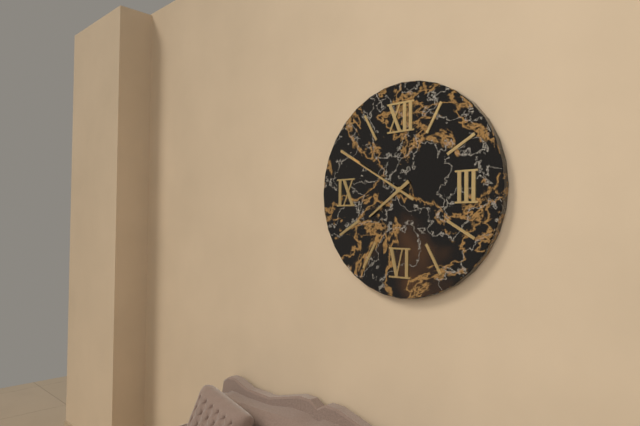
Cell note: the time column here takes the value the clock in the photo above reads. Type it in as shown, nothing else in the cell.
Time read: 7:50
